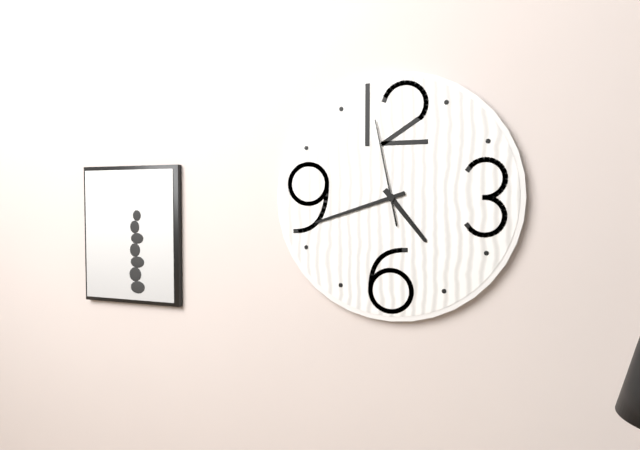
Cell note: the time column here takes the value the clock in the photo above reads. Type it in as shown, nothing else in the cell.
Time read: 4:42:58
